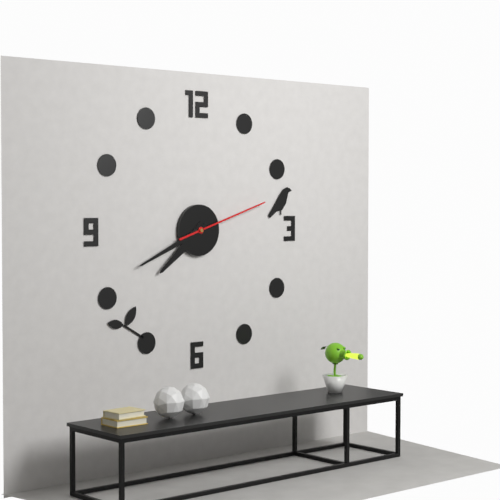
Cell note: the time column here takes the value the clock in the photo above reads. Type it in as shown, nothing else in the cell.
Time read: 7:41:12
